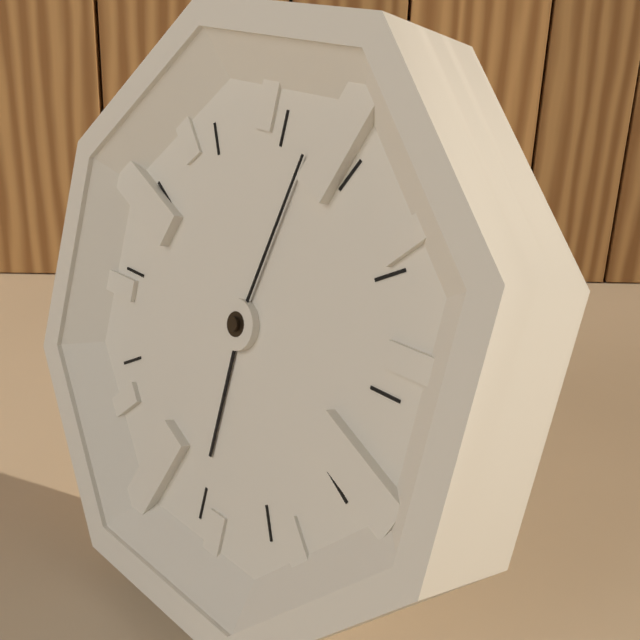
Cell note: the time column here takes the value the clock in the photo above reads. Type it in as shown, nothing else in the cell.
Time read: 6:02
